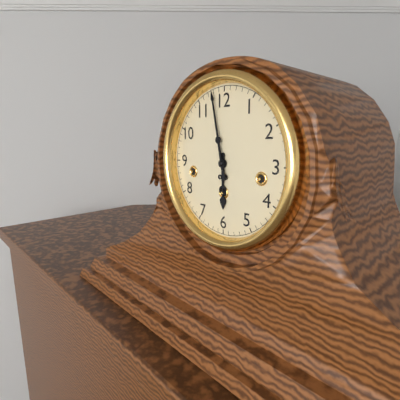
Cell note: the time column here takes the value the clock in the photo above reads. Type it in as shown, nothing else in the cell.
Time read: 5:58
